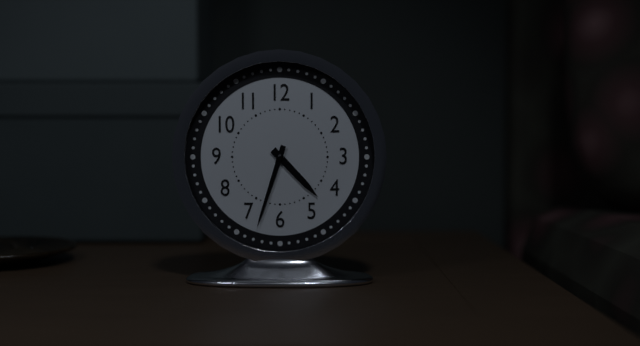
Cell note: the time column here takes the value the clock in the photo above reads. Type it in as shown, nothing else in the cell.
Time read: 4:33
